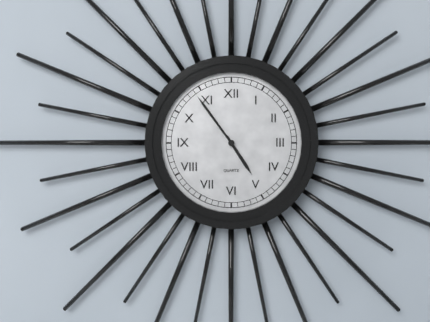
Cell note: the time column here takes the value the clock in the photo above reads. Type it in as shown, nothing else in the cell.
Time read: 4:54
